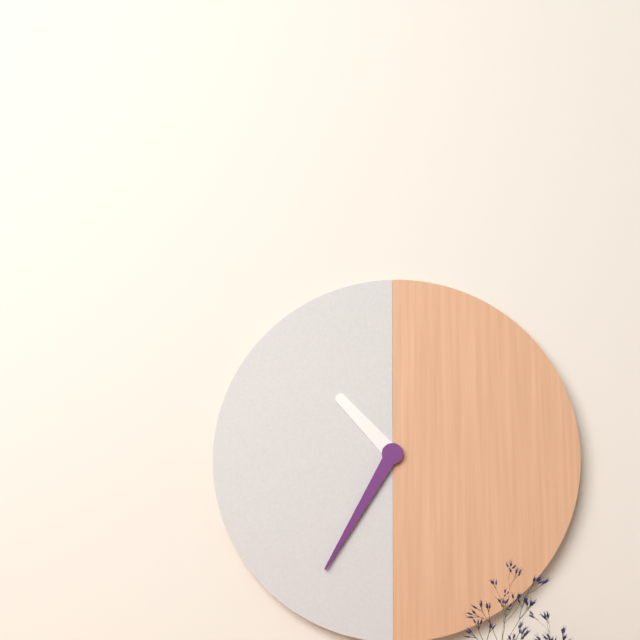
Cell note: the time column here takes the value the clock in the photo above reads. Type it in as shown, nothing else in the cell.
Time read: 10:35
